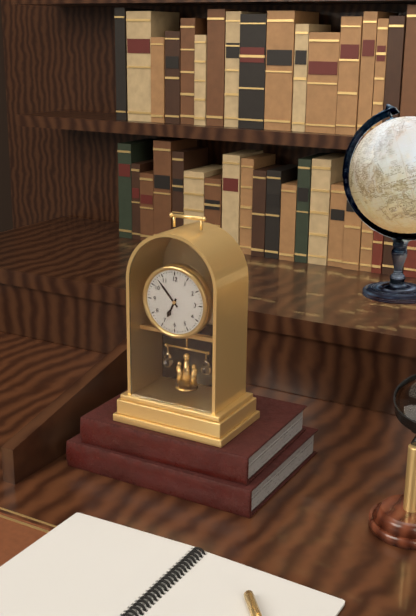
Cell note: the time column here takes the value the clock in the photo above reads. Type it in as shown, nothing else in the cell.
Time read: 6:53
